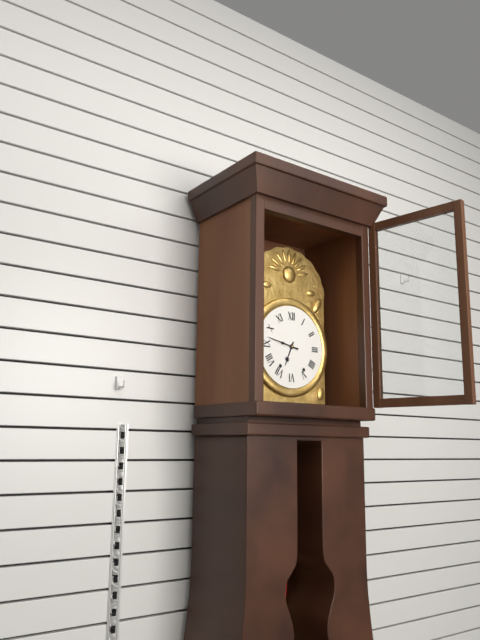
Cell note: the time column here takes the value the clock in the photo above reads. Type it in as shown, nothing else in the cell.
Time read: 6:47
